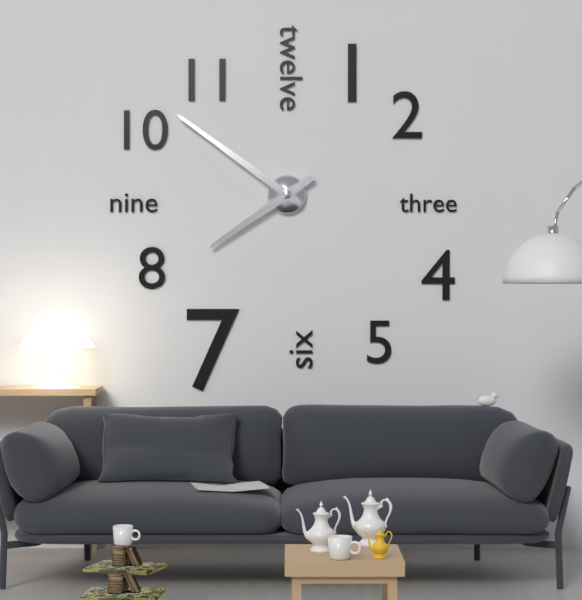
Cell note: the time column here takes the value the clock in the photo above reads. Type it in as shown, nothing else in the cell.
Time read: 7:51
